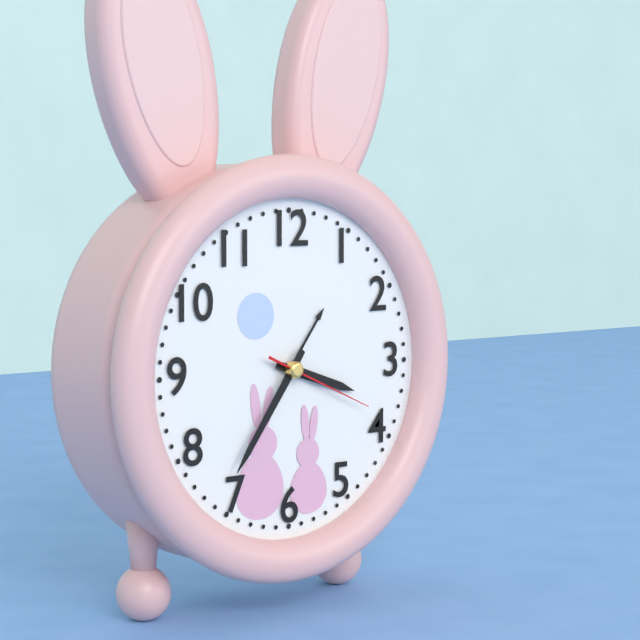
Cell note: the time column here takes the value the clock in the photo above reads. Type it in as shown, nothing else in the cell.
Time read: 3:36:19
